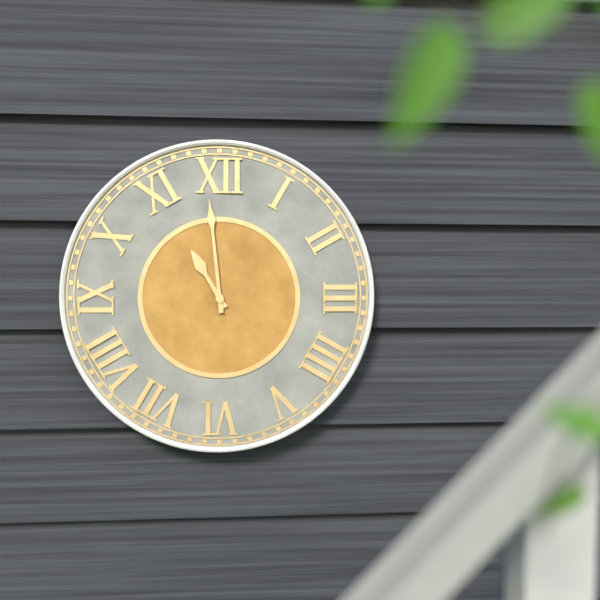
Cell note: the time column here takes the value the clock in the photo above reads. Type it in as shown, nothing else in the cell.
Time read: 10:59
